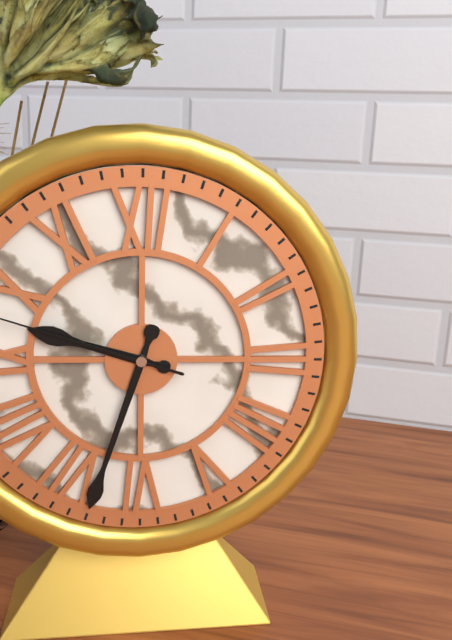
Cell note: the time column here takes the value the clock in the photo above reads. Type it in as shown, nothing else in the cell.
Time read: 9:33
